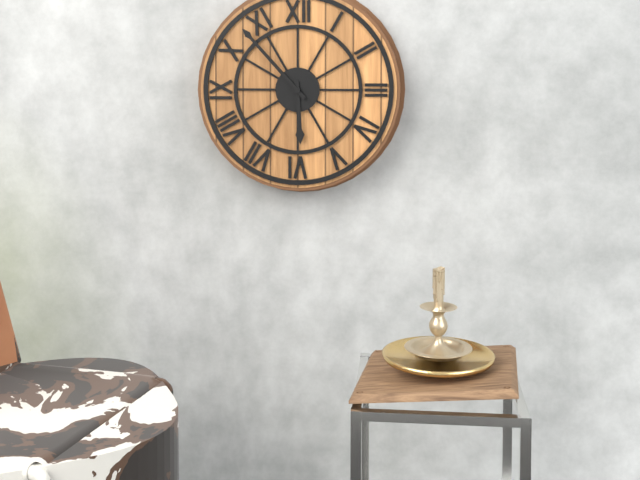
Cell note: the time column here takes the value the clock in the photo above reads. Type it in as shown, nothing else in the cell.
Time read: 5:53
